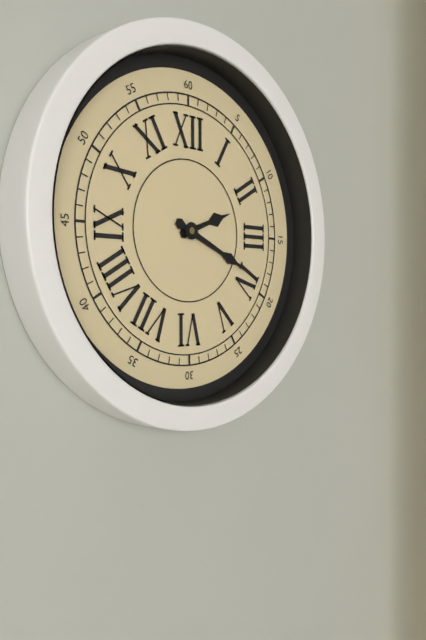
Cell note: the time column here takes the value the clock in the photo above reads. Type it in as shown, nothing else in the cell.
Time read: 2:19
